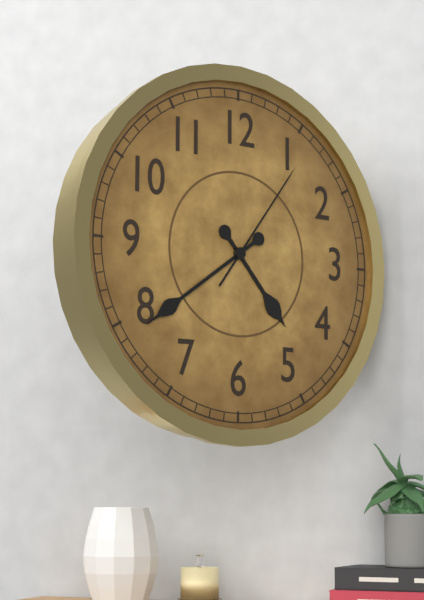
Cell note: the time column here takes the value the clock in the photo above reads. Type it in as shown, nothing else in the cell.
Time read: 4:39:06
